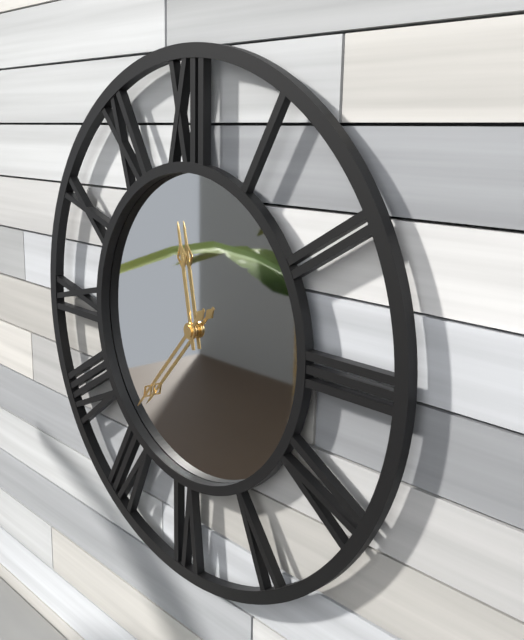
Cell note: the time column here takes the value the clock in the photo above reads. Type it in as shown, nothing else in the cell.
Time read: 11:37
